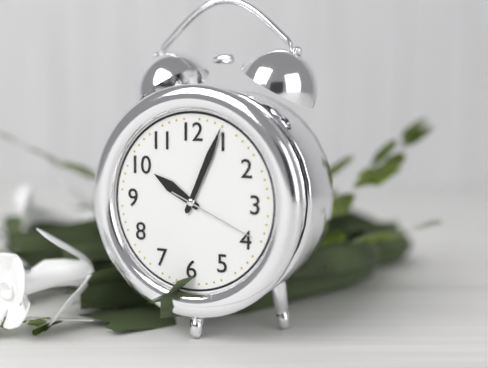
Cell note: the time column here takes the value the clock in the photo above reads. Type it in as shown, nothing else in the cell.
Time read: 10:04:19
